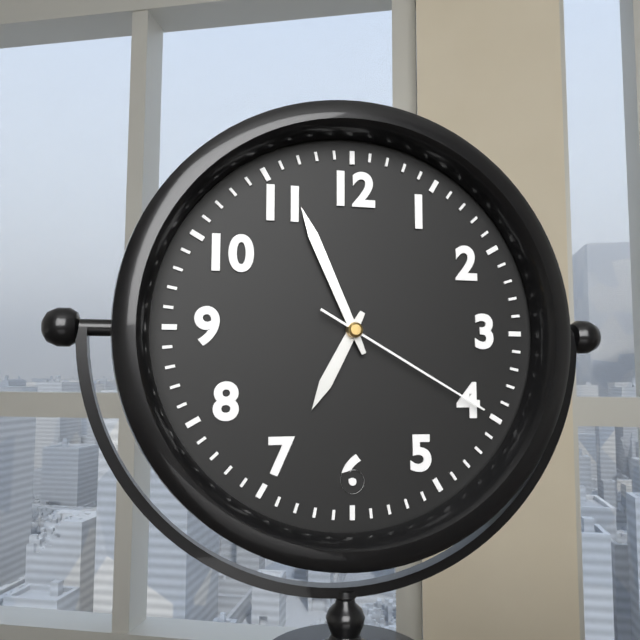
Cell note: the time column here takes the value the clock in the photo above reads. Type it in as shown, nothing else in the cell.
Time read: 6:56:20
